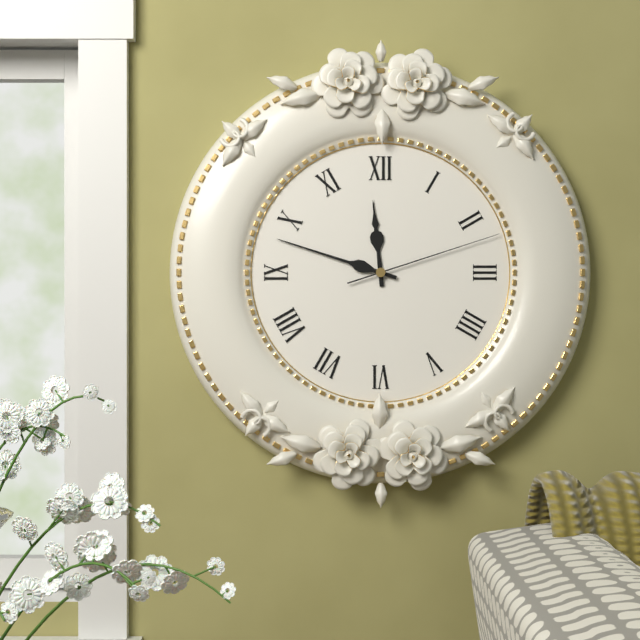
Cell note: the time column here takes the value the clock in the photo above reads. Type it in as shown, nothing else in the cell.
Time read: 11:48:12
